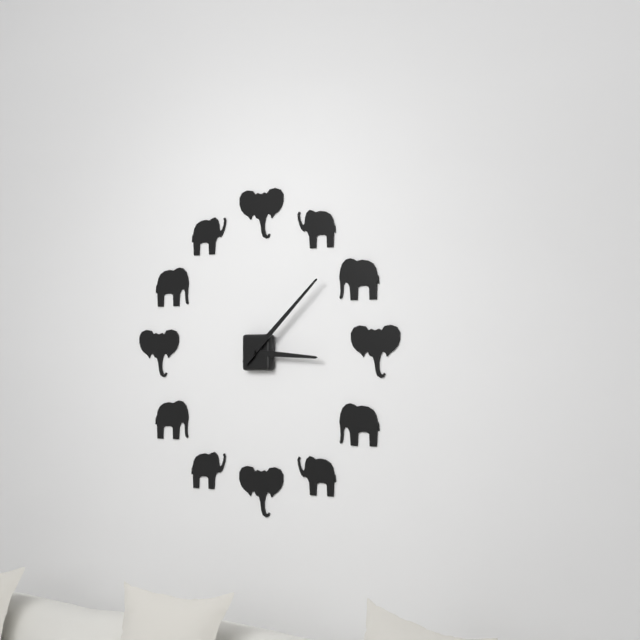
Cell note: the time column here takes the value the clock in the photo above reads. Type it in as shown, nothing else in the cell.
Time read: 3:08
